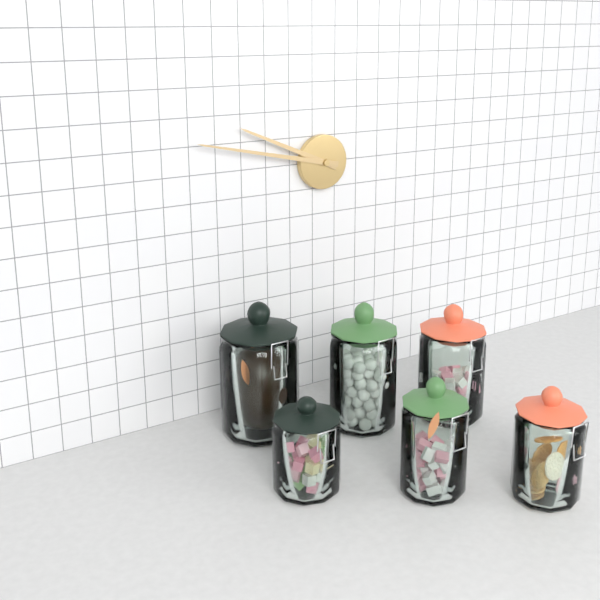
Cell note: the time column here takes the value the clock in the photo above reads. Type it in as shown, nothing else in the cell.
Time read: 9:47
